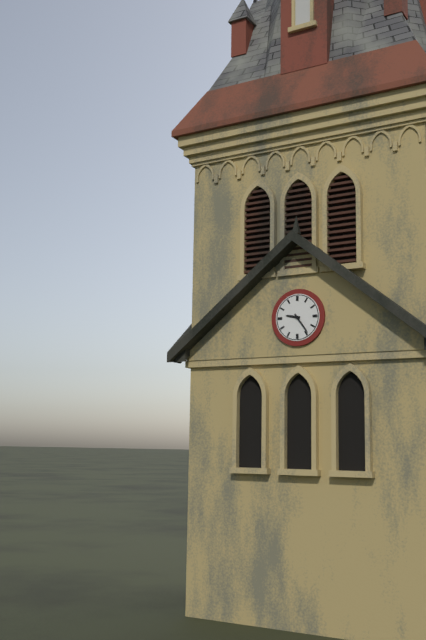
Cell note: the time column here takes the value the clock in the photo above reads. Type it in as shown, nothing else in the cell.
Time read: 9:24
